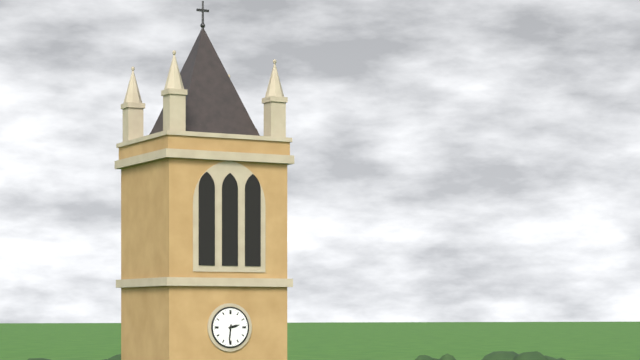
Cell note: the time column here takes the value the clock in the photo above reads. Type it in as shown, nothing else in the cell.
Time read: 2:31
